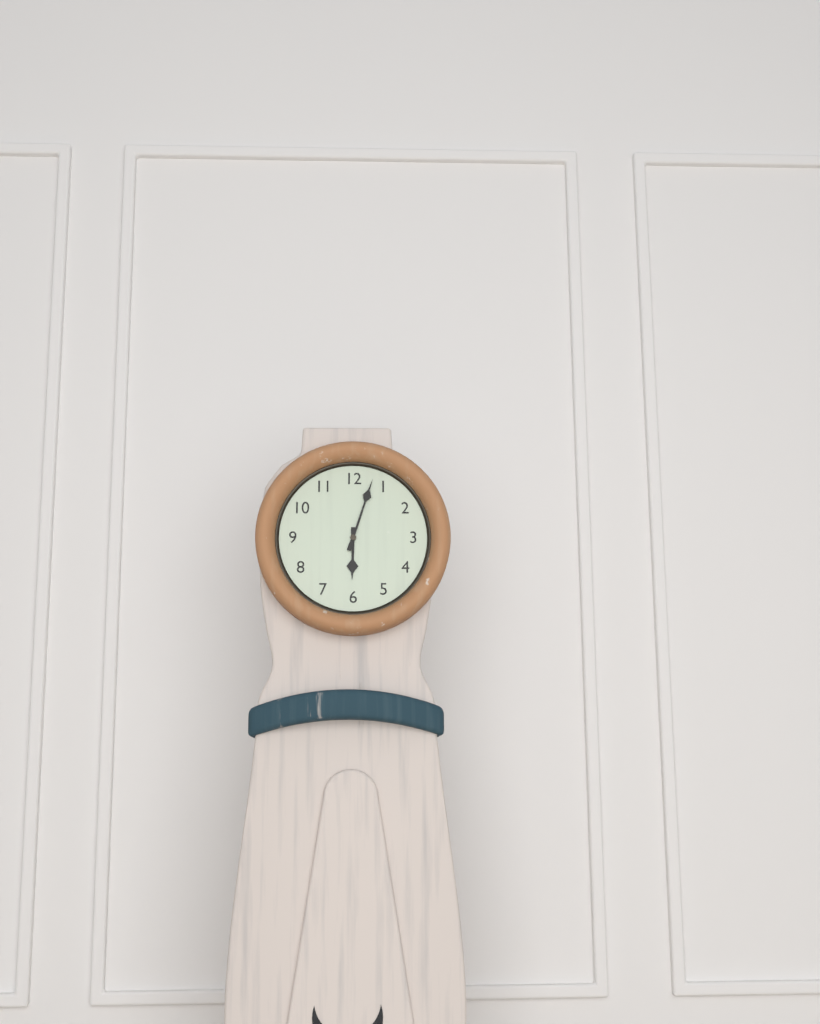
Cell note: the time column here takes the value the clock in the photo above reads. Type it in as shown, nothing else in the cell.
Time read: 6:03
